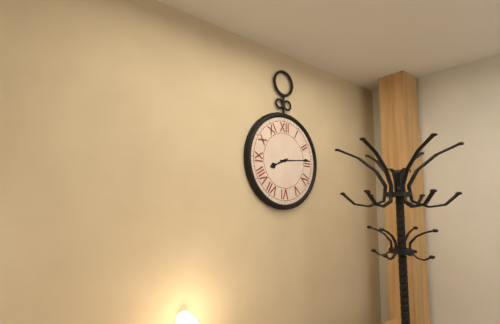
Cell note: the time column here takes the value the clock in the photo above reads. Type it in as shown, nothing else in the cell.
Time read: 8:14
